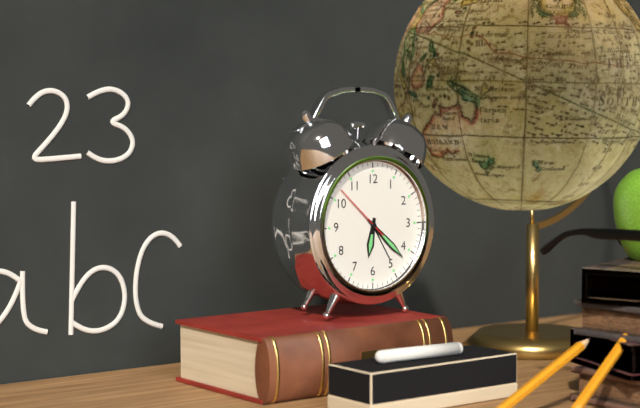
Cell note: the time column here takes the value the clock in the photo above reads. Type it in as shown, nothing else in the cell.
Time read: 6:22:52
